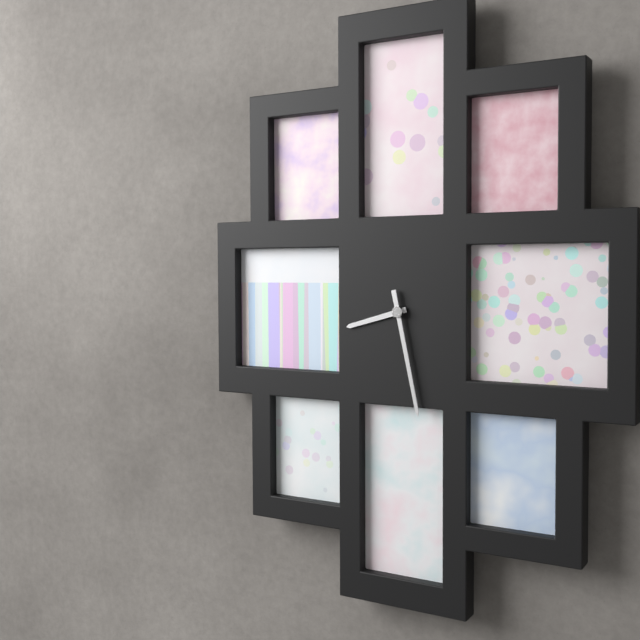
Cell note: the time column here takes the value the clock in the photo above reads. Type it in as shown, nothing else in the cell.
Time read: 8:28
